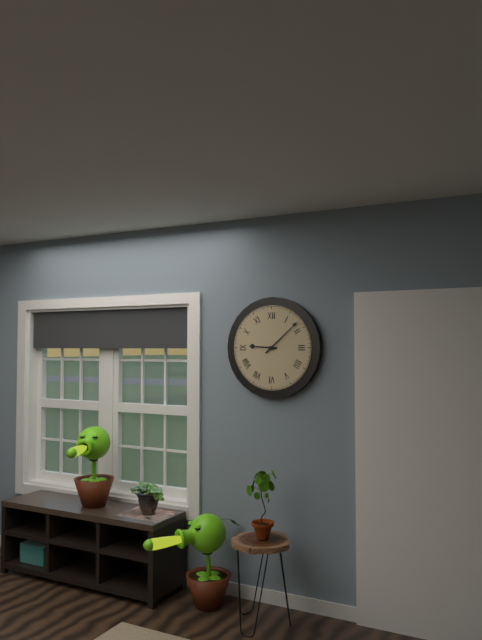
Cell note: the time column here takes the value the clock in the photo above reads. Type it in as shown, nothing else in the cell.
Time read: 9:08
